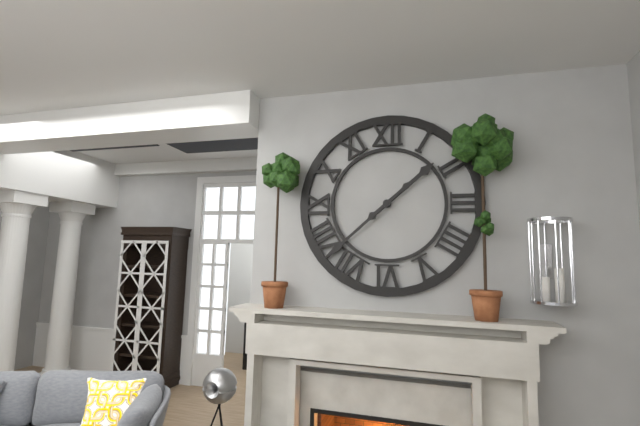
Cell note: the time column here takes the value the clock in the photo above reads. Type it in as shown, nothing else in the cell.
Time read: 1:38
